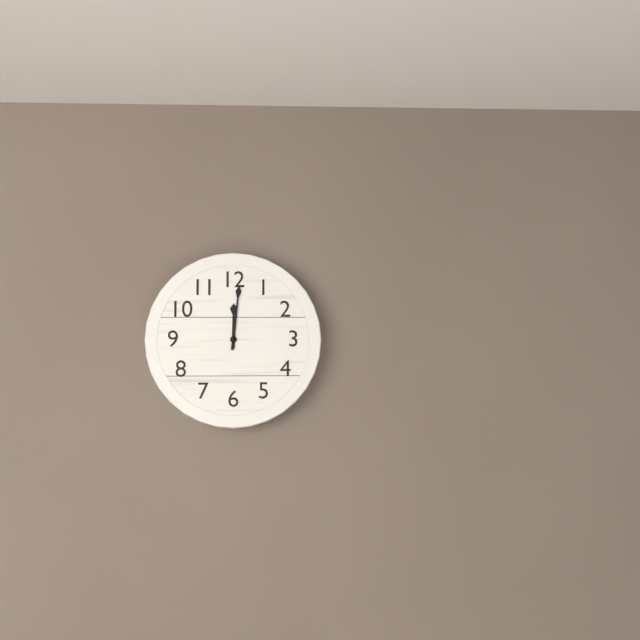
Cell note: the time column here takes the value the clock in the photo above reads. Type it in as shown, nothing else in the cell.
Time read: 12:01
